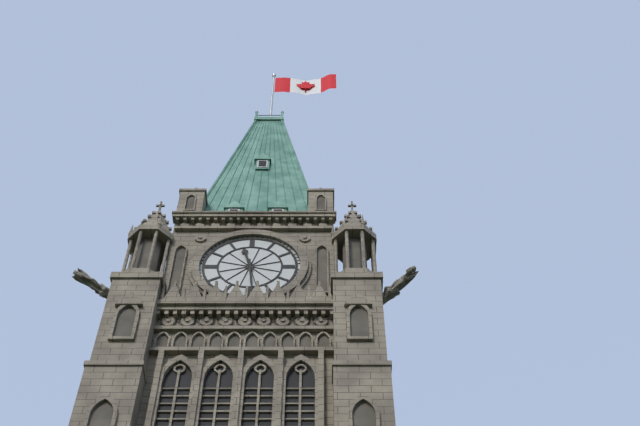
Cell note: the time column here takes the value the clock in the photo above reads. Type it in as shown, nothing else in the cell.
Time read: 11:29
